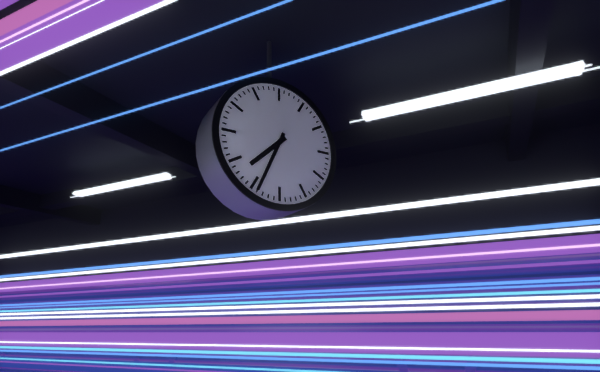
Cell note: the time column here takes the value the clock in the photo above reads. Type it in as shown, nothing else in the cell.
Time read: 7:34
